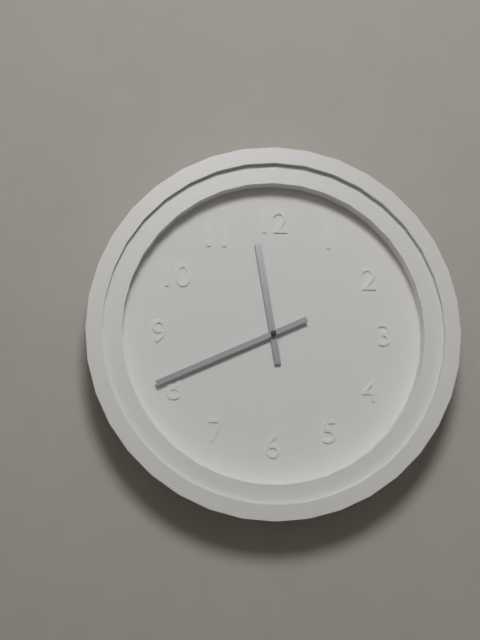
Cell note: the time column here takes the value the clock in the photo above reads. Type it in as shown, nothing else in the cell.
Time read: 11:41
